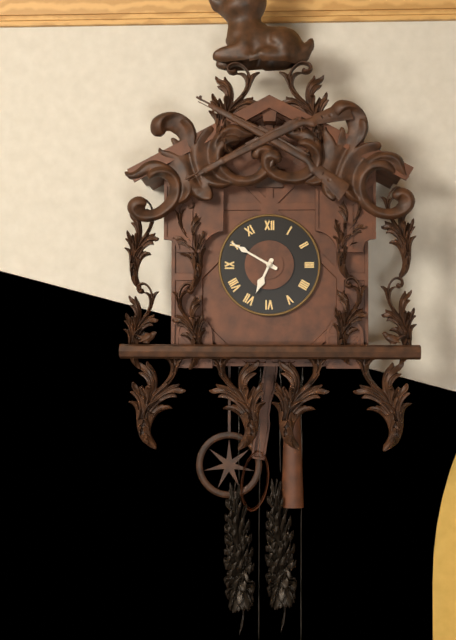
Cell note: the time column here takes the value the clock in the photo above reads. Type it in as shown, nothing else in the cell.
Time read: 6:50
